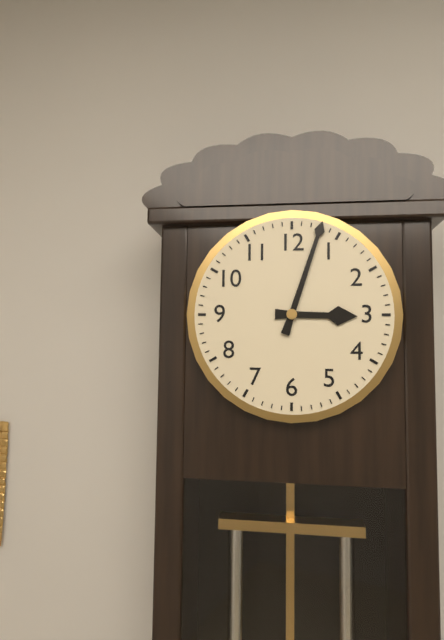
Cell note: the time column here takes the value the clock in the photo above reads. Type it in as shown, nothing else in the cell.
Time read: 3:03
